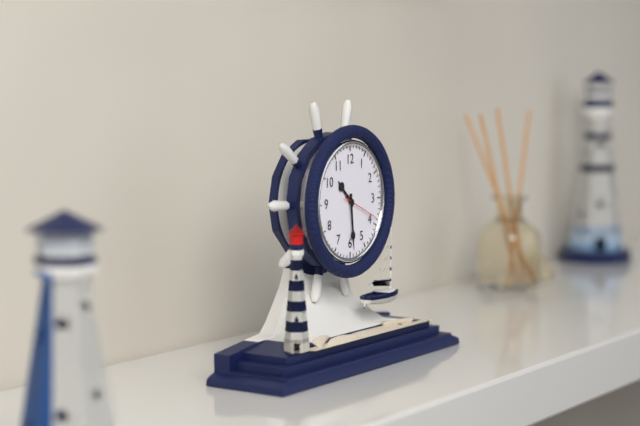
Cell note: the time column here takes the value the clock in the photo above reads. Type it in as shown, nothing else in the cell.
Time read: 10:29
